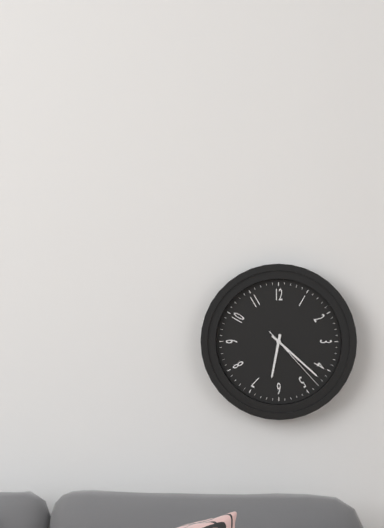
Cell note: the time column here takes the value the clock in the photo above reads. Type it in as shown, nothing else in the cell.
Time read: 6:22:23
